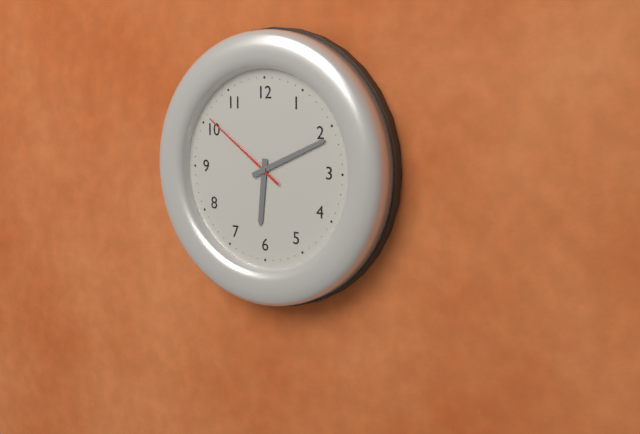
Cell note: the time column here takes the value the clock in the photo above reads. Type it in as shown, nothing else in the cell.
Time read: 6:11:51
